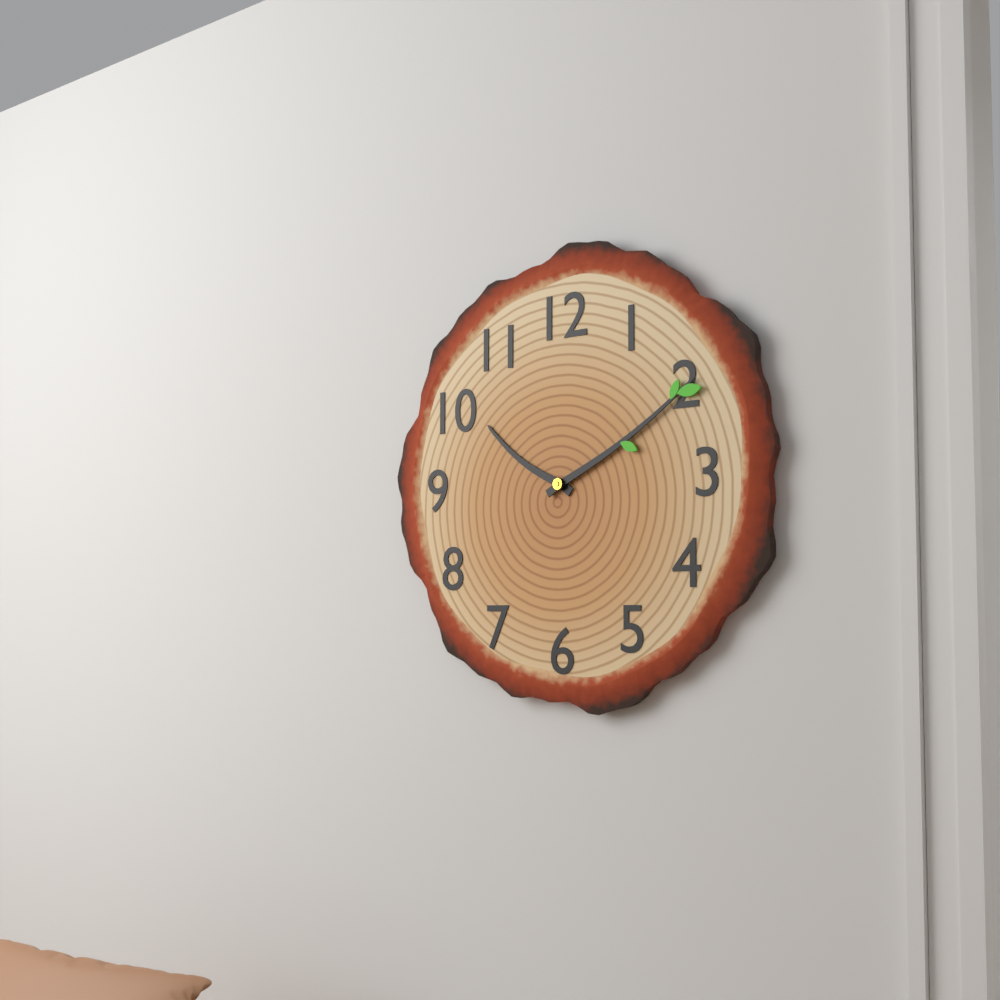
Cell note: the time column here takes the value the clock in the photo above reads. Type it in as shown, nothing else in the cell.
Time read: 10:10
